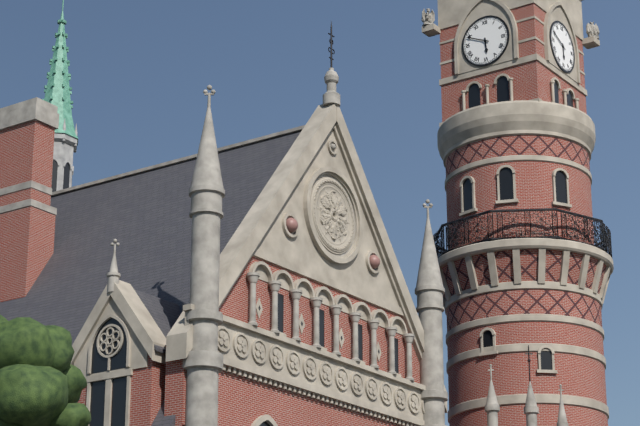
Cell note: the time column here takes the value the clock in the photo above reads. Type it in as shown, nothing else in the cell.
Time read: 5:49
